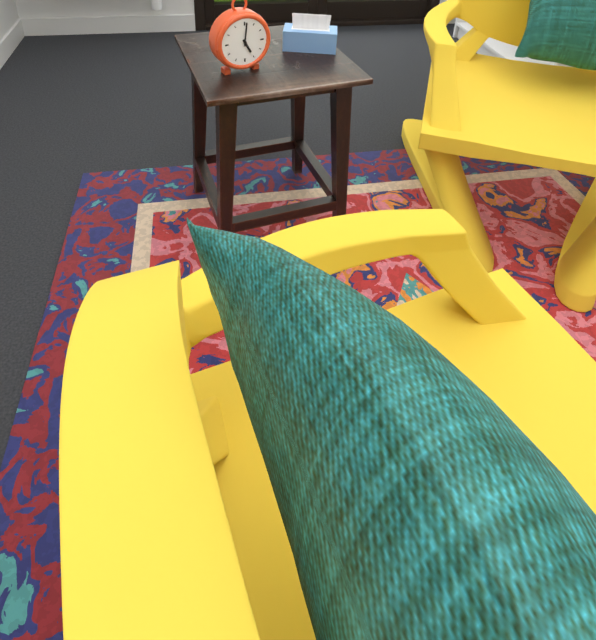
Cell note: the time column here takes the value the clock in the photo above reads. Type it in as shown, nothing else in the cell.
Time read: 5:01
